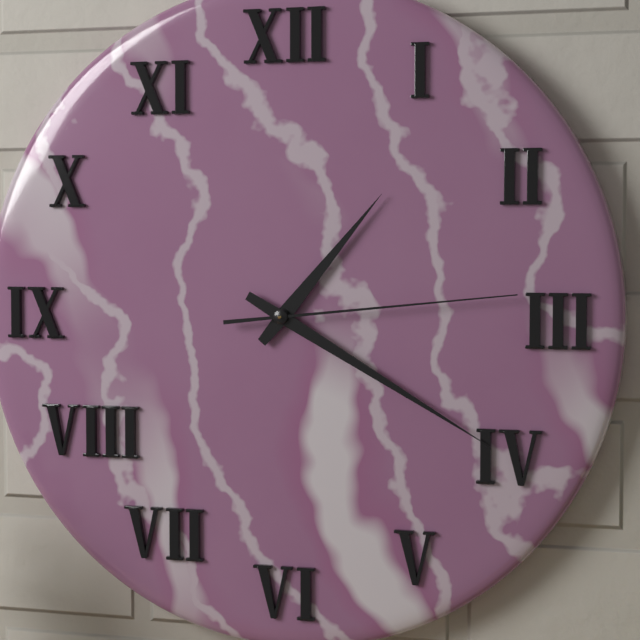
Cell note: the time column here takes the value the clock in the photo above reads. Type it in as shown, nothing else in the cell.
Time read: 1:20:14
